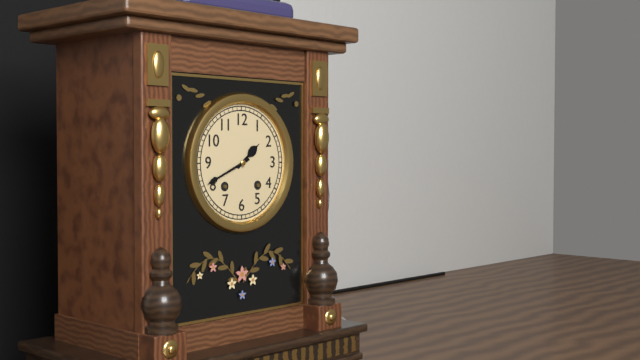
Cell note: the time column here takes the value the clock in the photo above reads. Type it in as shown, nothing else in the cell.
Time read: 1:41
